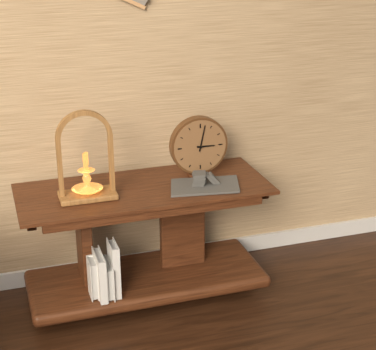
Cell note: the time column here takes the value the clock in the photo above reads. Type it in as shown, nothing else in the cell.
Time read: 3:02
